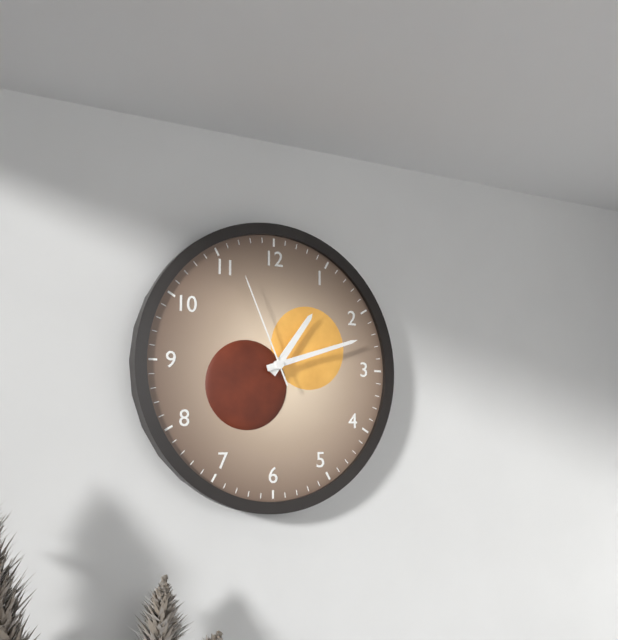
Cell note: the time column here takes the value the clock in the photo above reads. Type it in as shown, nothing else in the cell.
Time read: 1:12:56
